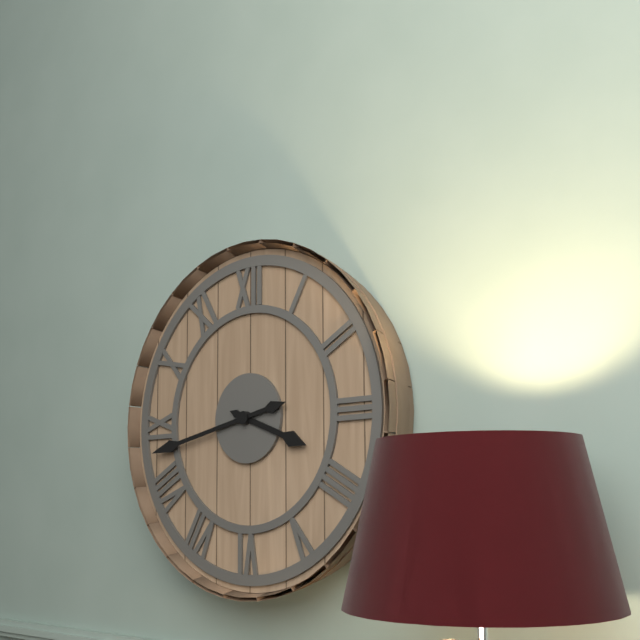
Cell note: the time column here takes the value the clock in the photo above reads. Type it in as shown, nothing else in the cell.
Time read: 3:43
